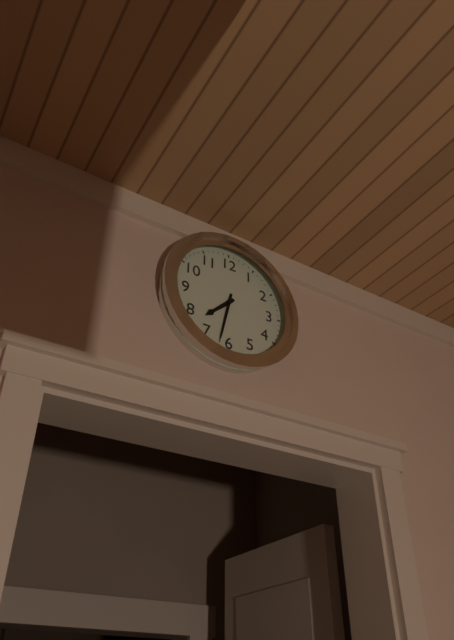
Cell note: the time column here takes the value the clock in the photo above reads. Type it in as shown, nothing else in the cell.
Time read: 7:32
